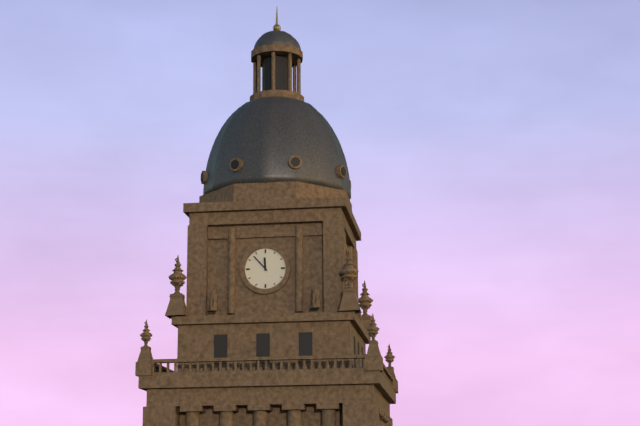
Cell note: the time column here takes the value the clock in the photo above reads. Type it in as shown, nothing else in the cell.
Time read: 11:53
